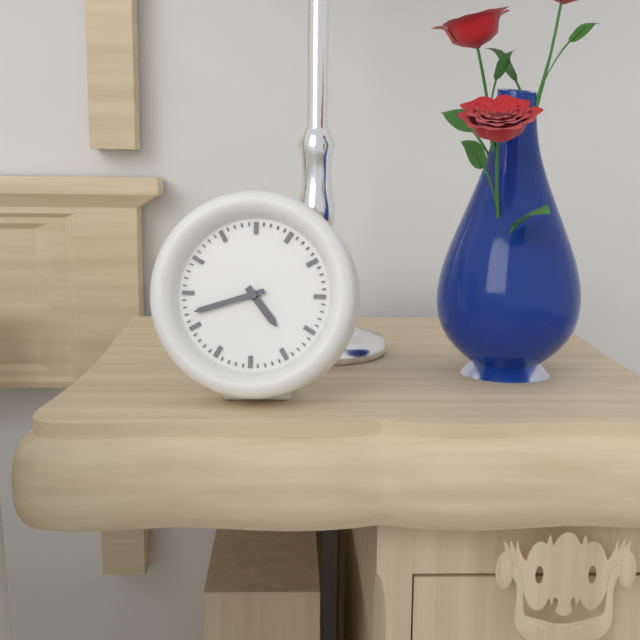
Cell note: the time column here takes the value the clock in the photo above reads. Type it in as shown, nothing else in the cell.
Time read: 4:42
